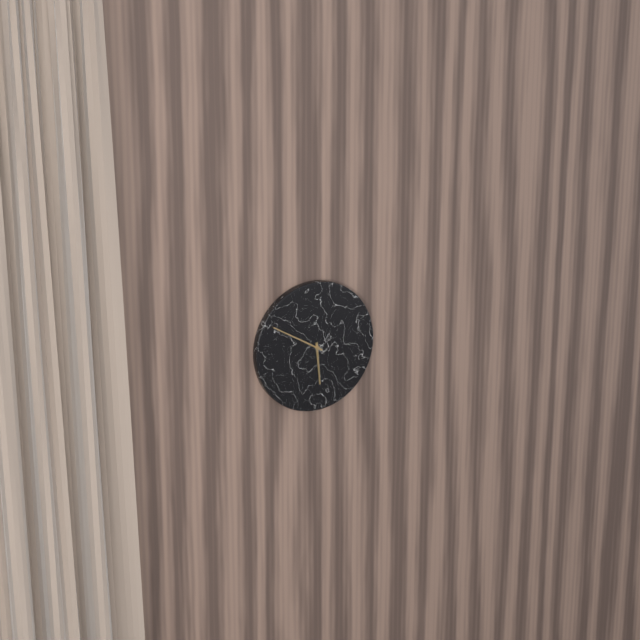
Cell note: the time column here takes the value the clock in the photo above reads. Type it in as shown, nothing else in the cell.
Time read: 5:50
